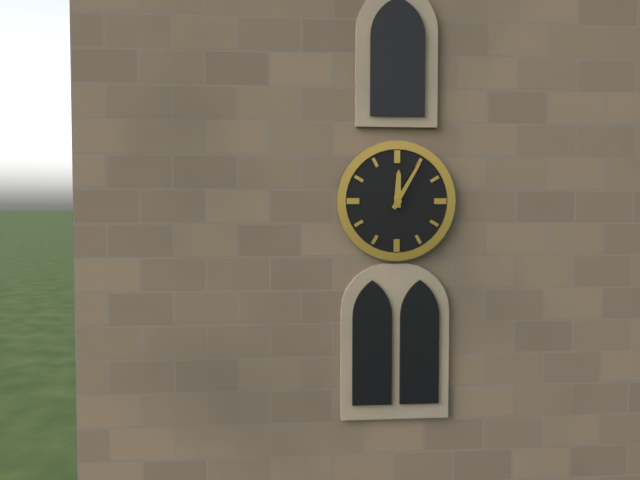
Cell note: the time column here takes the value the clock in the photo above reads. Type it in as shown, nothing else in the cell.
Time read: 12:05
